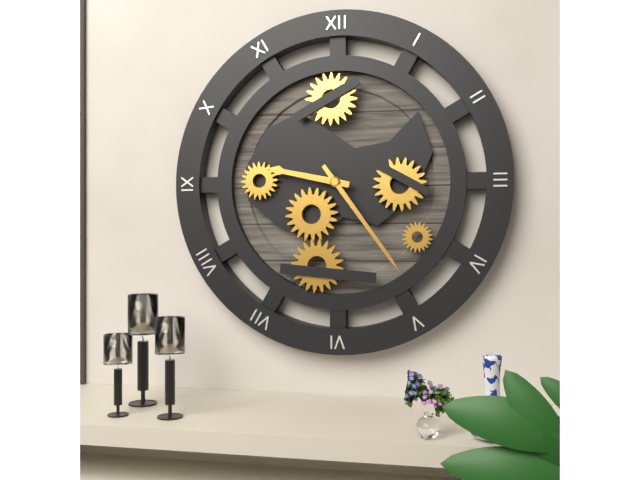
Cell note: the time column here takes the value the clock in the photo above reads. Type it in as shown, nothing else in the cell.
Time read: 9:24
